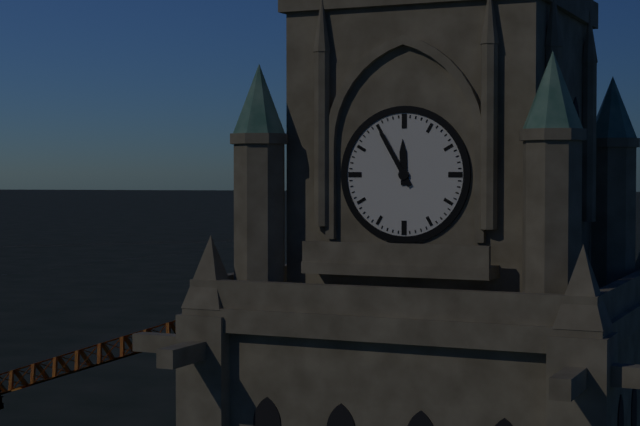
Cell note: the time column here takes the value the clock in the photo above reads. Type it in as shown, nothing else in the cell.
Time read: 11:55
